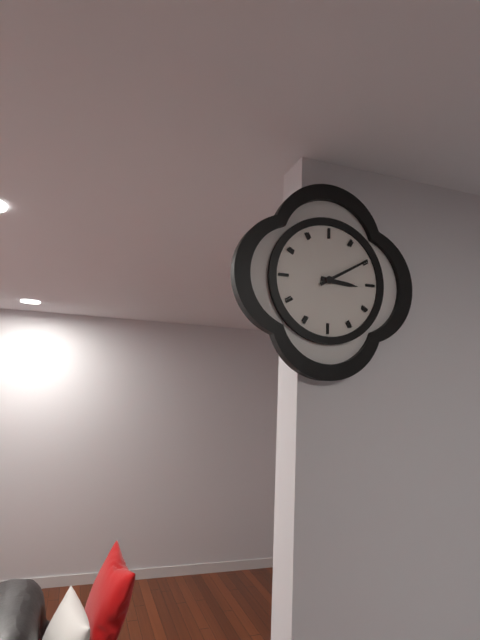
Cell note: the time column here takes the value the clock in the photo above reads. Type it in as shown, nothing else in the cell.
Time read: 3:10
